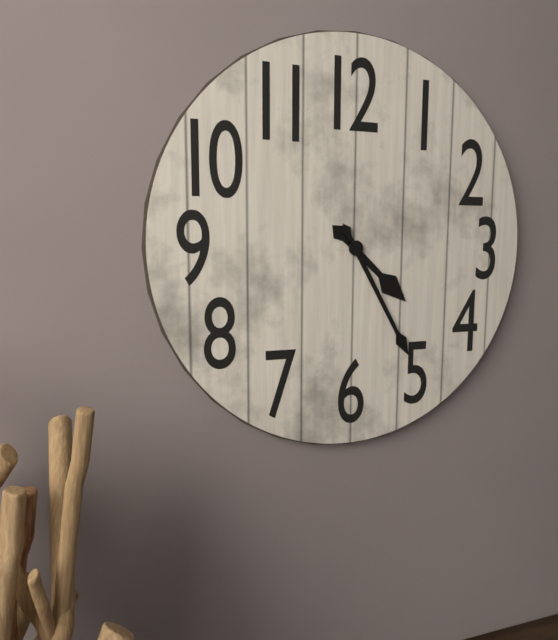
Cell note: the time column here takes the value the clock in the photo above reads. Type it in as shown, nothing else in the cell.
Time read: 4:25
